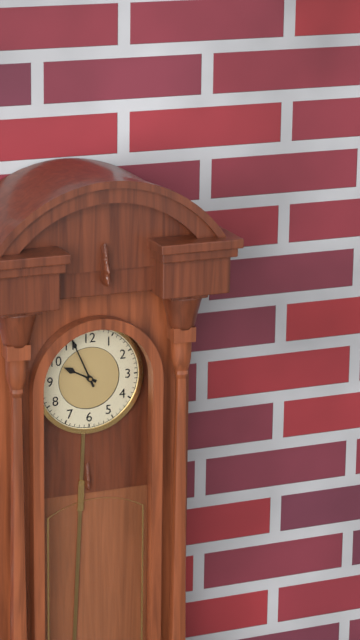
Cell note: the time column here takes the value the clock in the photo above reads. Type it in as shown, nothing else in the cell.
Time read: 9:56
